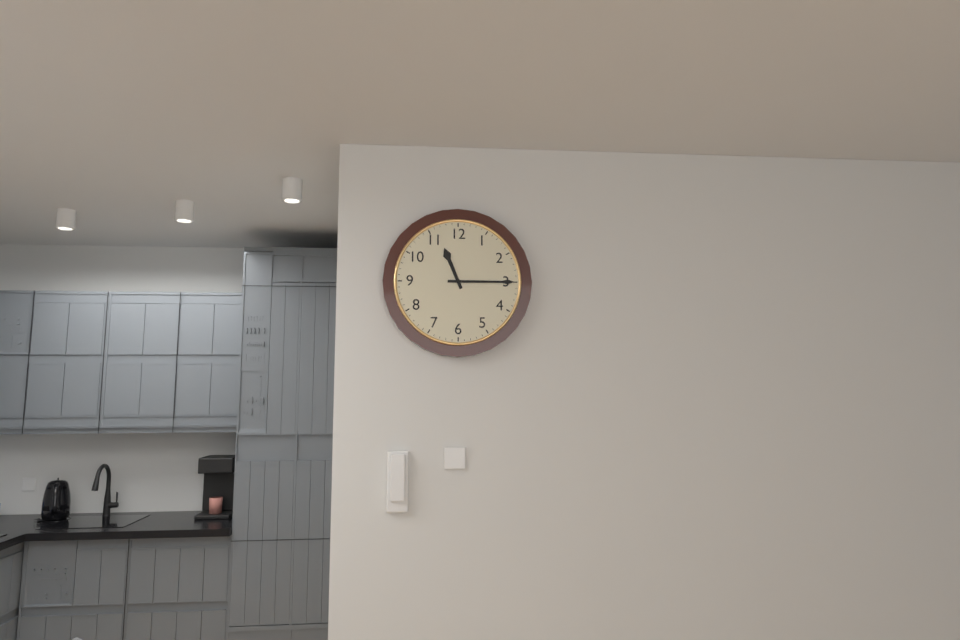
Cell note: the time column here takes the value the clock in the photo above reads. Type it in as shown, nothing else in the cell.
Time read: 11:15
